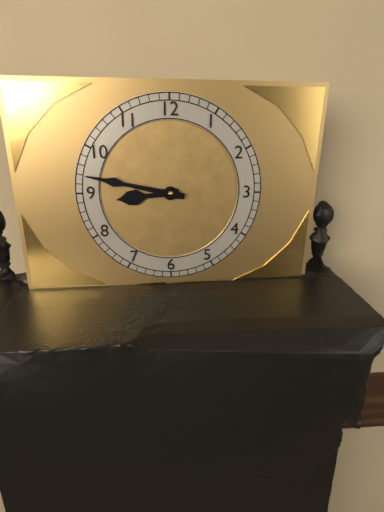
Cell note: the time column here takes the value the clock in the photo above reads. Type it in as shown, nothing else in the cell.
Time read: 8:47
